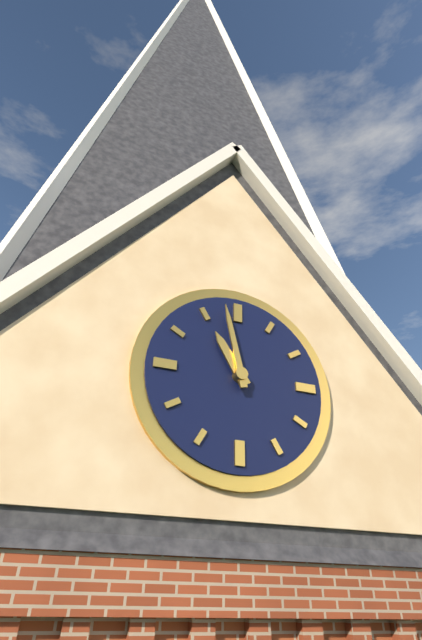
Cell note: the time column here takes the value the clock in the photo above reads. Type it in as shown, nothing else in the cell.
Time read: 10:58
